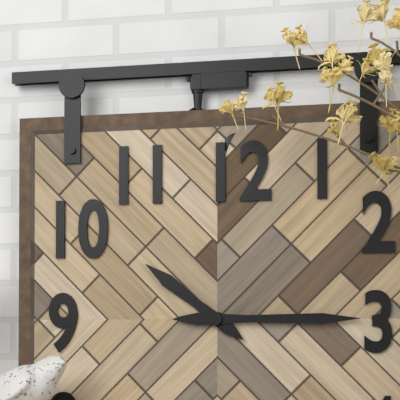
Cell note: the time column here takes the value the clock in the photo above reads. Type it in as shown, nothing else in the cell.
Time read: 10:15
